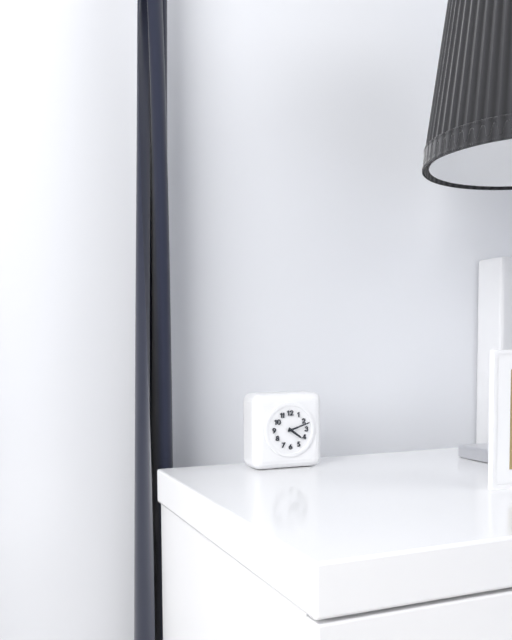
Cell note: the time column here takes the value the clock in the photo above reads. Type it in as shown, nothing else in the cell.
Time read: 4:12
